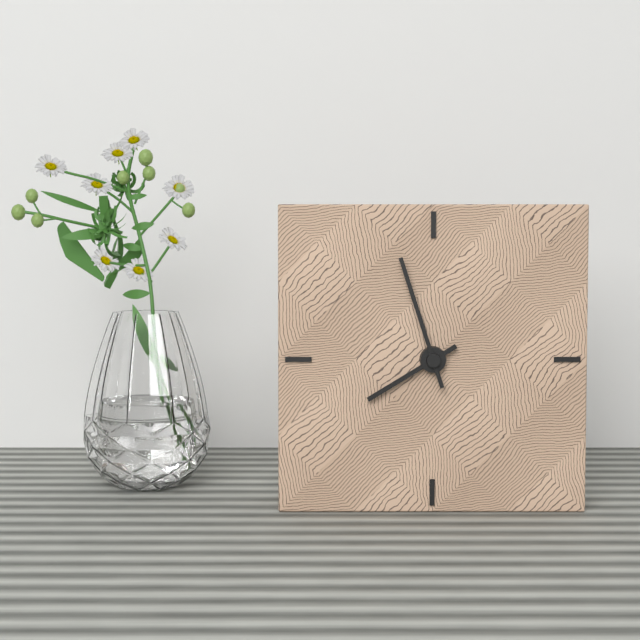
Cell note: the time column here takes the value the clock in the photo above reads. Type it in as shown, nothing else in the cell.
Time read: 7:57
